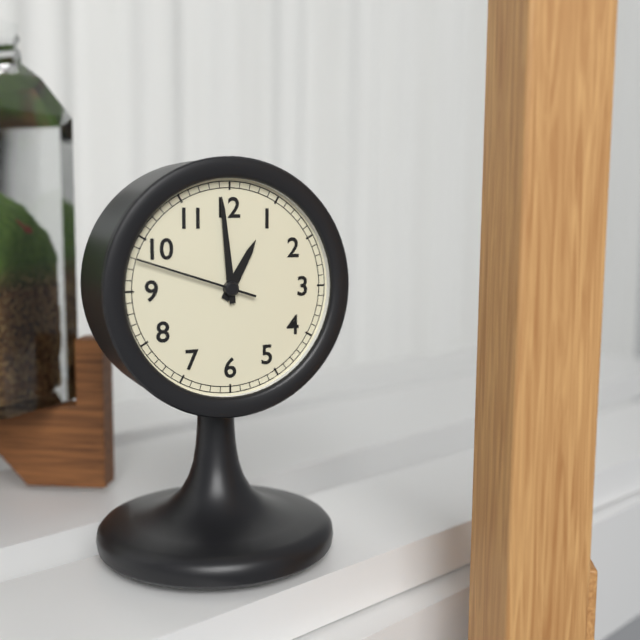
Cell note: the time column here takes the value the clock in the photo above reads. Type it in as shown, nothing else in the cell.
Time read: 12:59:48
